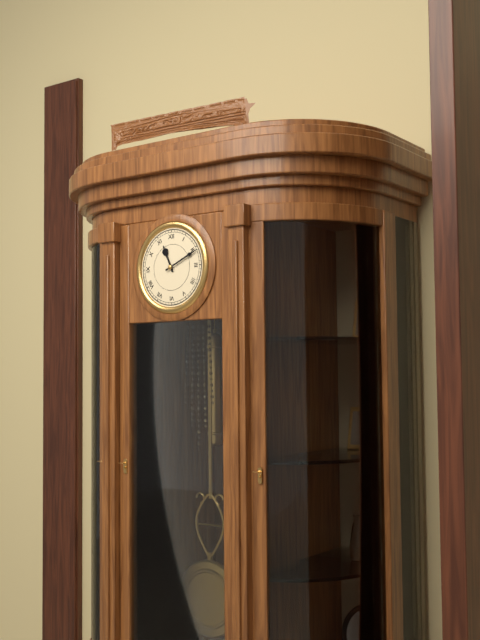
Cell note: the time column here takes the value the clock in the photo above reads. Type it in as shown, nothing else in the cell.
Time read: 11:11
